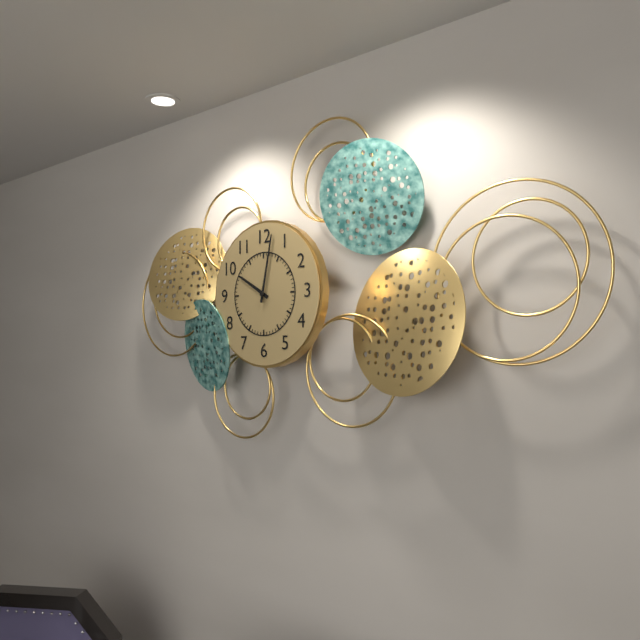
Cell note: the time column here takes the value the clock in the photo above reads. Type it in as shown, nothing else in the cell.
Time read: 10:02
